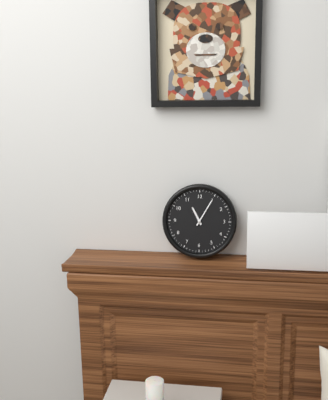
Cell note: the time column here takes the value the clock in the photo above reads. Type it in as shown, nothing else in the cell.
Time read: 11:05
